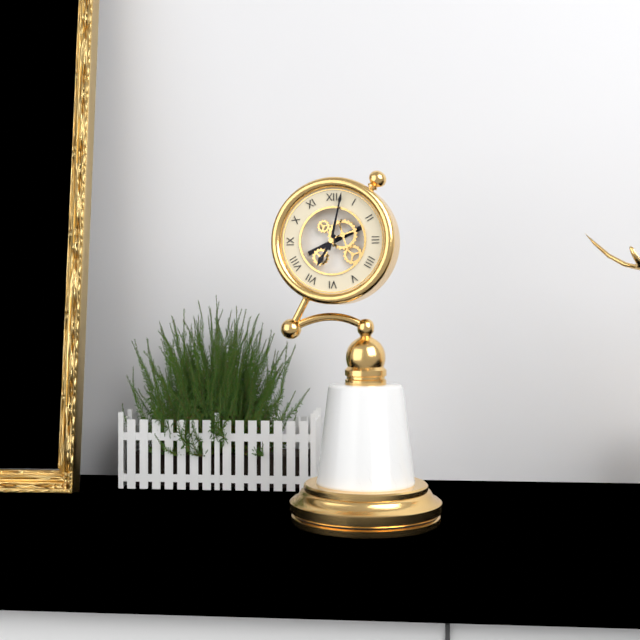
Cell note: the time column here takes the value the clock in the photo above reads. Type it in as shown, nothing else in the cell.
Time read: 7:02
